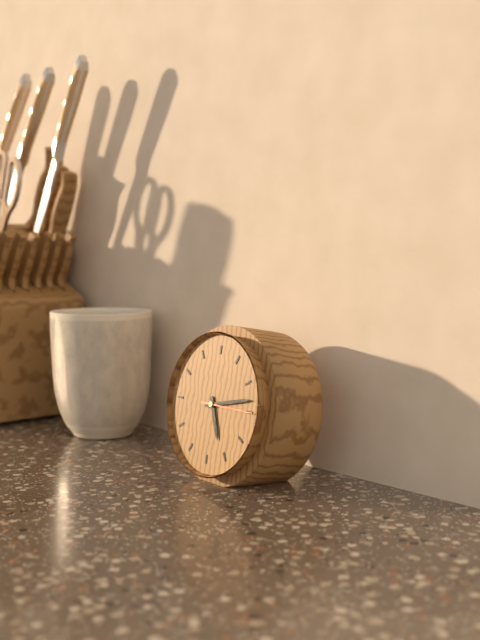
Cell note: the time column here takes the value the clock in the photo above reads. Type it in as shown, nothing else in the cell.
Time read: 5:13
